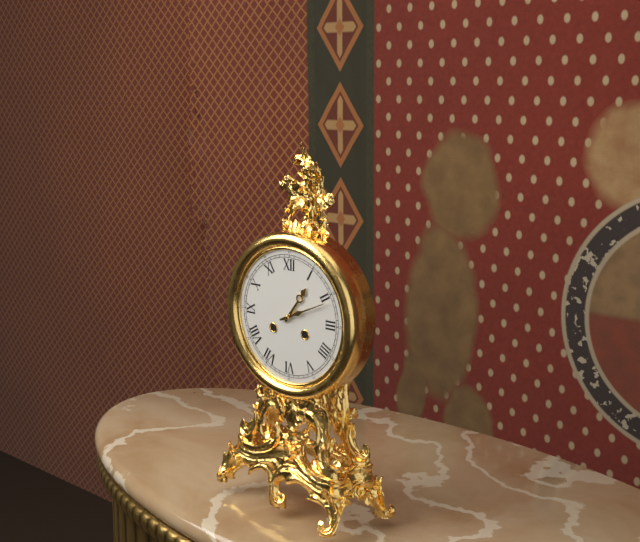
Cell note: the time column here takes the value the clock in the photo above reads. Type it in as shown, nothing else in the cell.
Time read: 1:11
